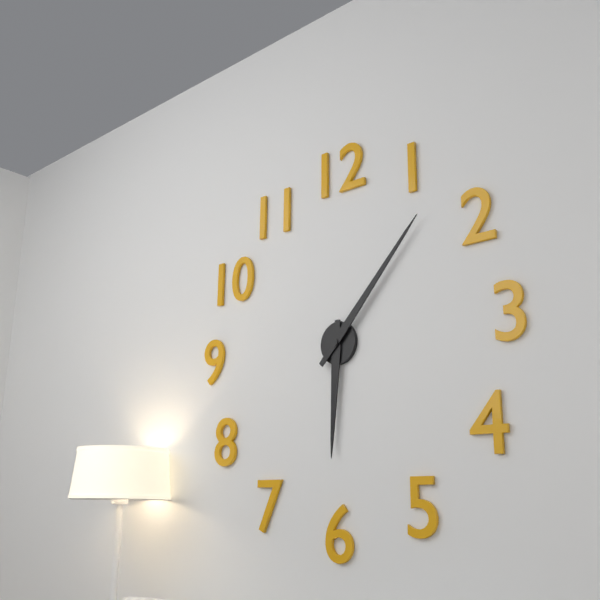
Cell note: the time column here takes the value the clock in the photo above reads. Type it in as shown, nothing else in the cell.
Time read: 6:07
